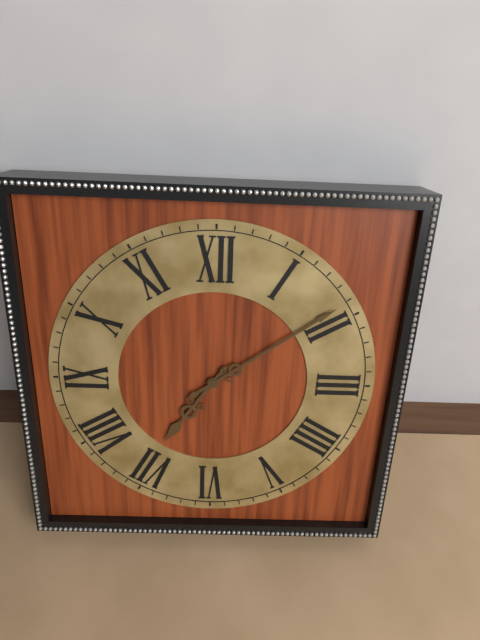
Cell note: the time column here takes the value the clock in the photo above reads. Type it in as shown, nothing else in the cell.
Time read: 7:09
